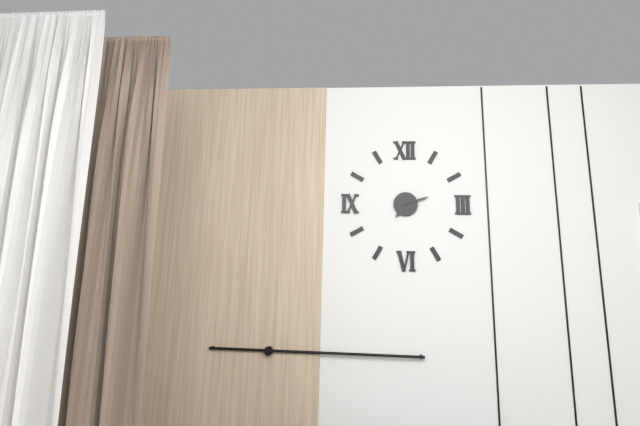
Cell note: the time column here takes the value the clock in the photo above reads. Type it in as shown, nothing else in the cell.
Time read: 7:12
